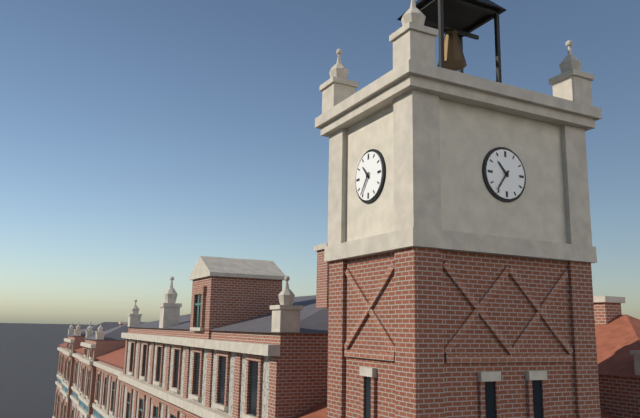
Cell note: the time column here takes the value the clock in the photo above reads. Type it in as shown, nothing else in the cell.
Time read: 10:36
